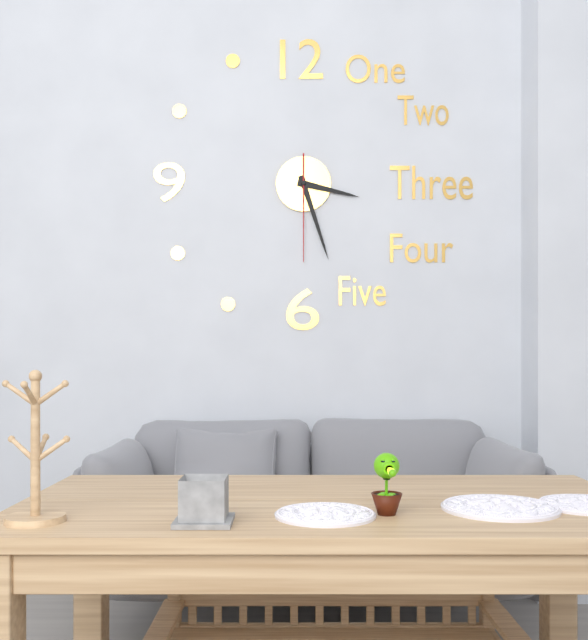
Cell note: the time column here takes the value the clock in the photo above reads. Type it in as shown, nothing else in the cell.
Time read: 3:27:30
